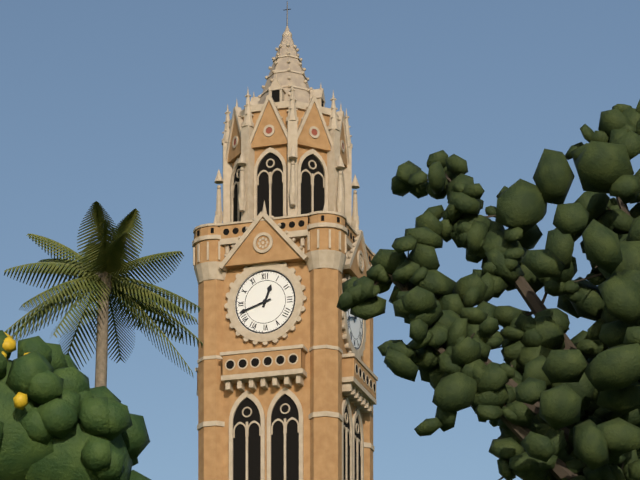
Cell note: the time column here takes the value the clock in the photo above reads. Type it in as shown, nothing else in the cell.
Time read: 12:42
